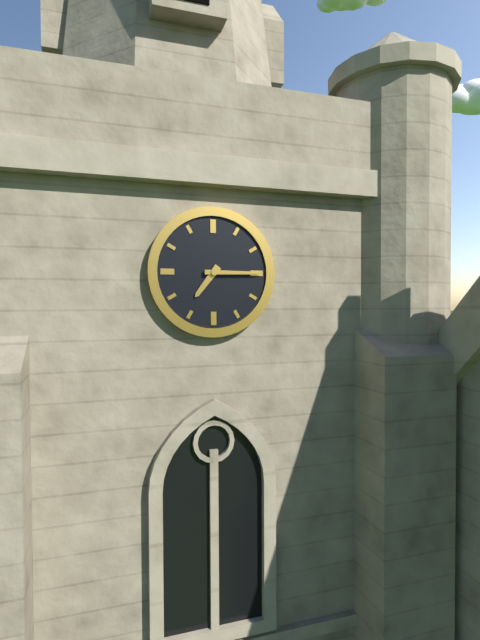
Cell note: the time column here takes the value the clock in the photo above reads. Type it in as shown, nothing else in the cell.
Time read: 7:15
